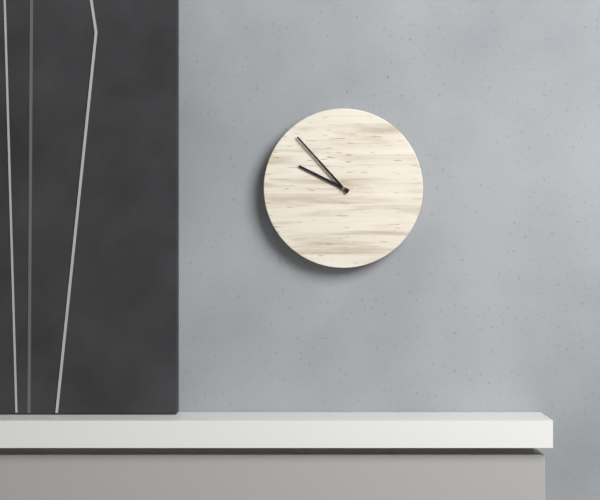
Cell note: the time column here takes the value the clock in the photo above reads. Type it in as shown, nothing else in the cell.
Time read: 9:53
